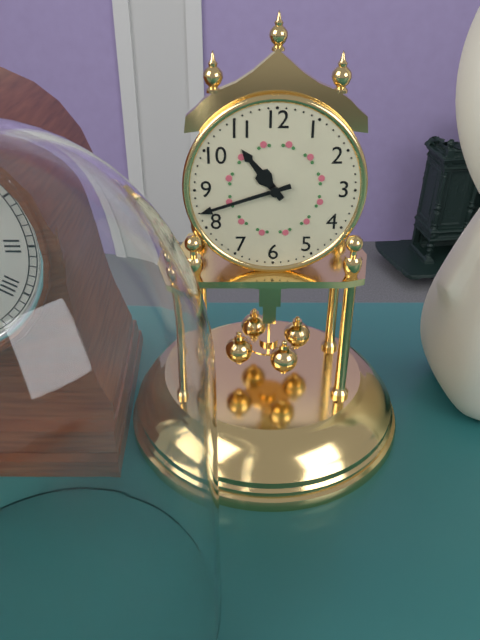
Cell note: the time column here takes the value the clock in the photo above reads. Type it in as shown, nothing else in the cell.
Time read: 10:42
